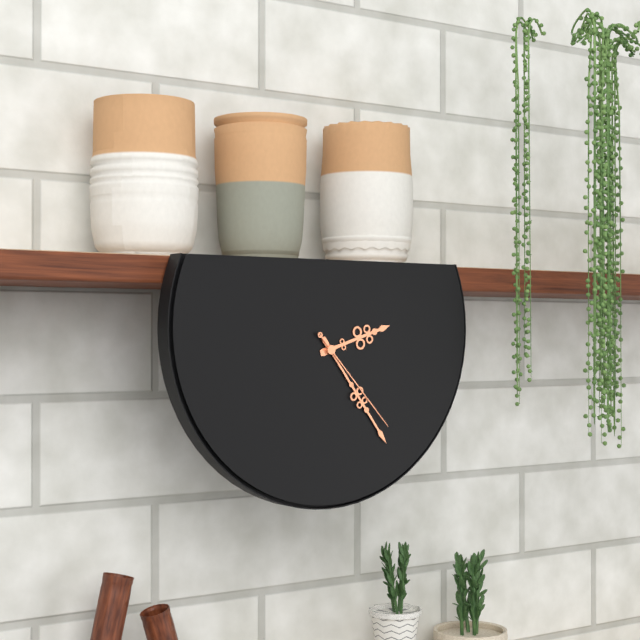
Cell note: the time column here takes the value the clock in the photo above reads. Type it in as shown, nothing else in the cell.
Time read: 2:24:23
